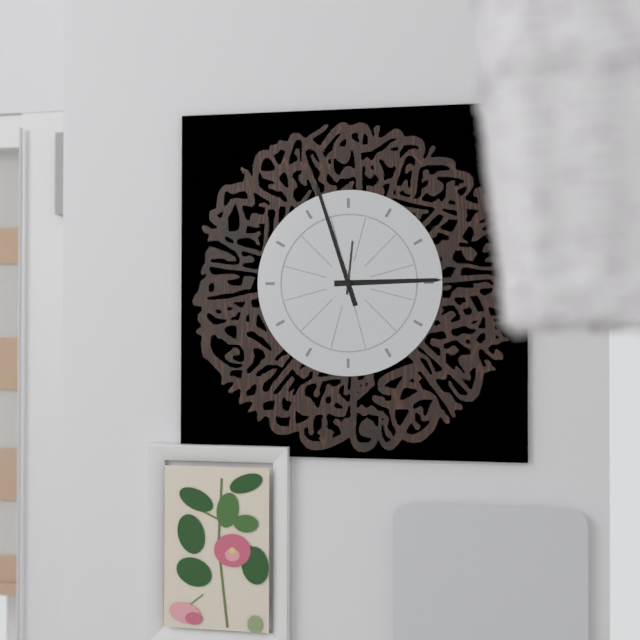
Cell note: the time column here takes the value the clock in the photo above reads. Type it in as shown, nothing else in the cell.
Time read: 2:57:01
